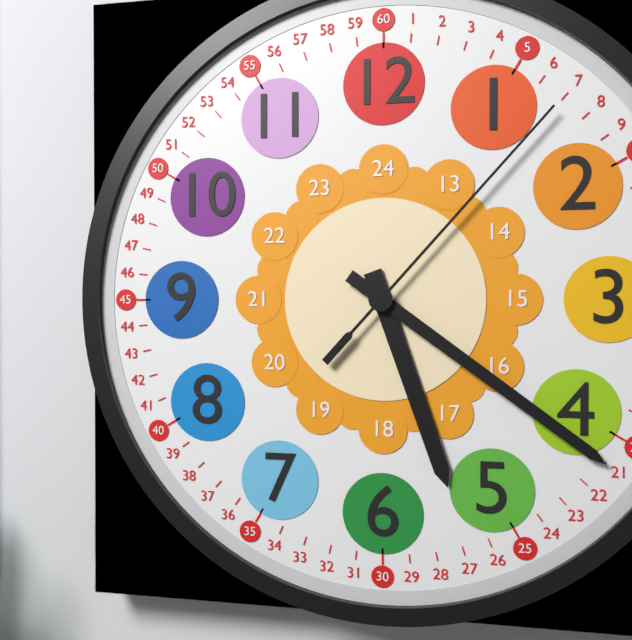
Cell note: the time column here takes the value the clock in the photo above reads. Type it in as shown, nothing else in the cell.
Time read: 5:21:07
